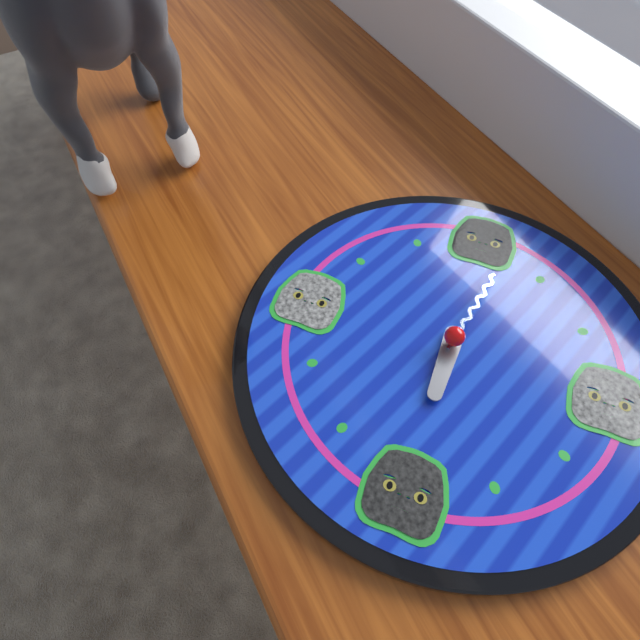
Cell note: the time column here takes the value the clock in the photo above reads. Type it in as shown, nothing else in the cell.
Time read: 6:02
